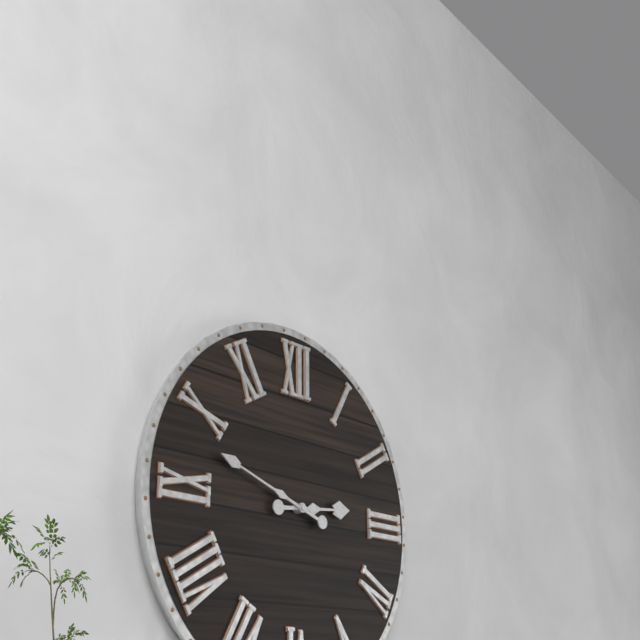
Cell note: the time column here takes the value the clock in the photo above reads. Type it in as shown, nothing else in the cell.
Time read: 2:48
